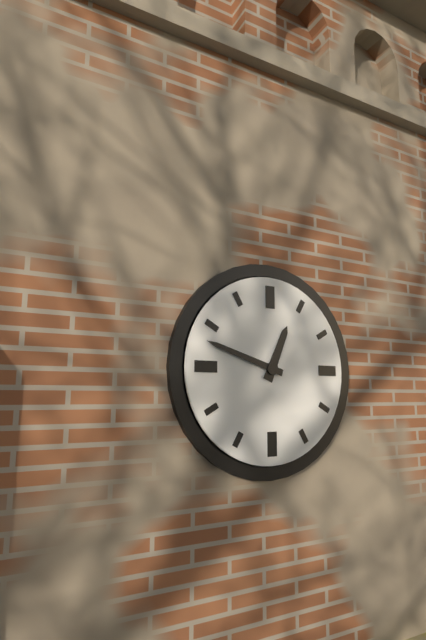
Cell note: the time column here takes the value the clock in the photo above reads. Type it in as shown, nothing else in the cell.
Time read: 12:48
